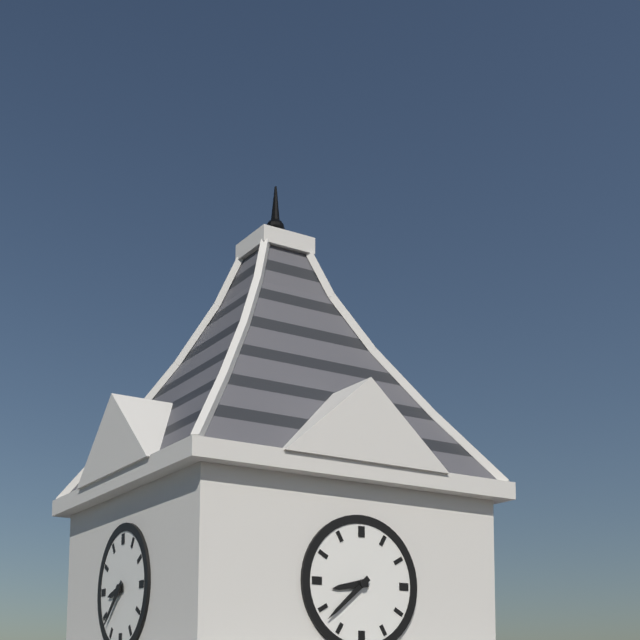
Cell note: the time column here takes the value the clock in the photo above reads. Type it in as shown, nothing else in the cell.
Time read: 8:38
